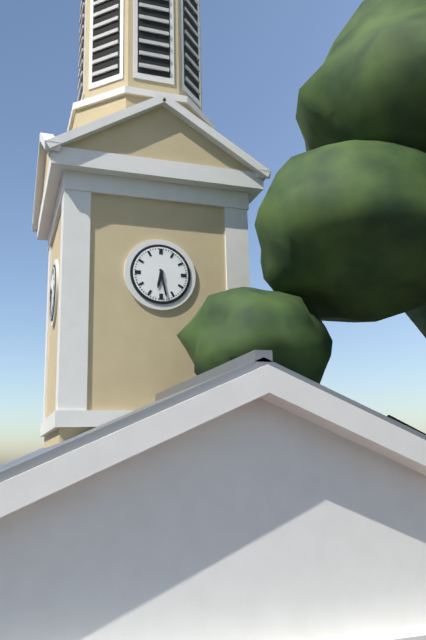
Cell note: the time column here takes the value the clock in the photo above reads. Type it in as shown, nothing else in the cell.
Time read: 6:28
